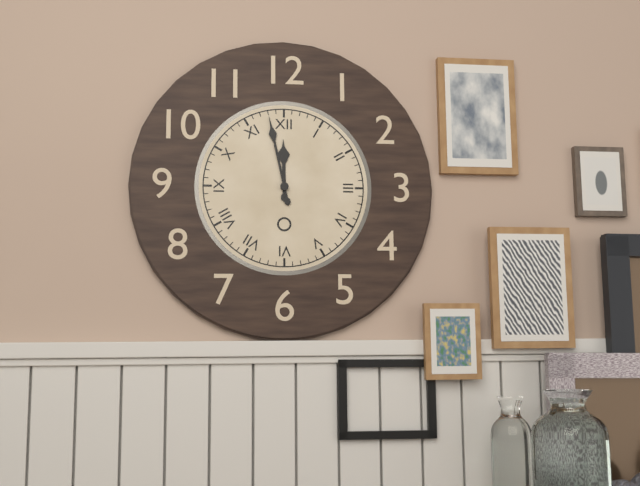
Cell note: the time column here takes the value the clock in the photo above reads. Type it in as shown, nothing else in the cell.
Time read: 11:58
